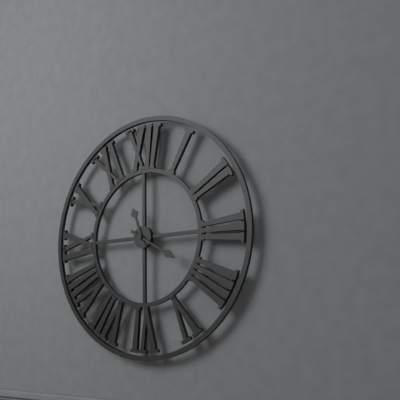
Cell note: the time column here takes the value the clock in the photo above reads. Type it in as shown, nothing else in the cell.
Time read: 11:20
